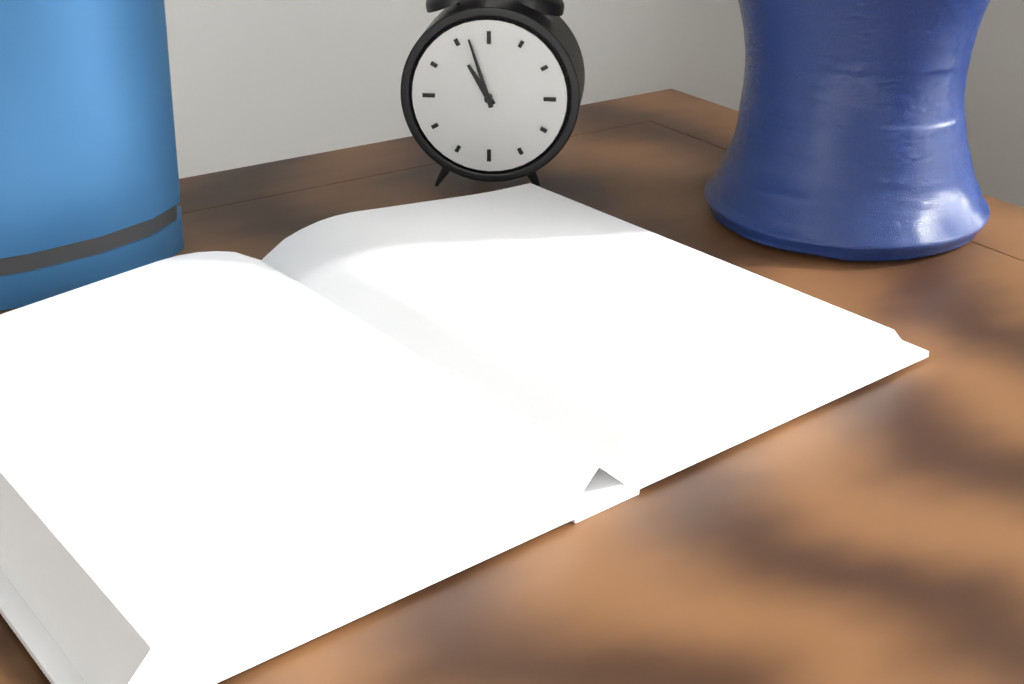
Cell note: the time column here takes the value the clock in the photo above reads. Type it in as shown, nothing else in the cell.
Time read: 10:57
